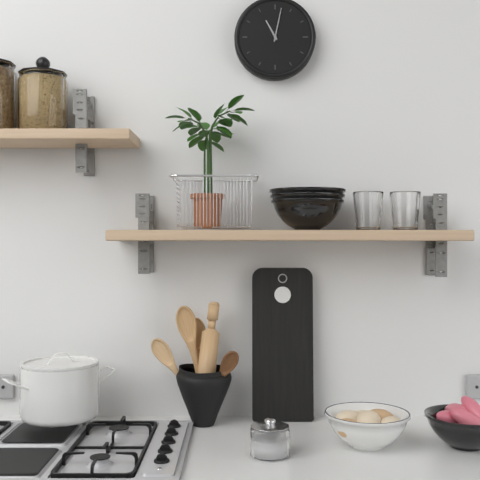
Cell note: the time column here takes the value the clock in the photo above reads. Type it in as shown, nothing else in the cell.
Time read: 11:02
